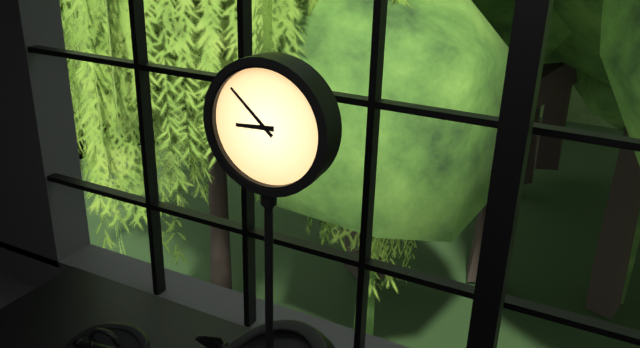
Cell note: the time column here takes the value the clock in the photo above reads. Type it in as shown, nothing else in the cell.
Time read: 8:52
